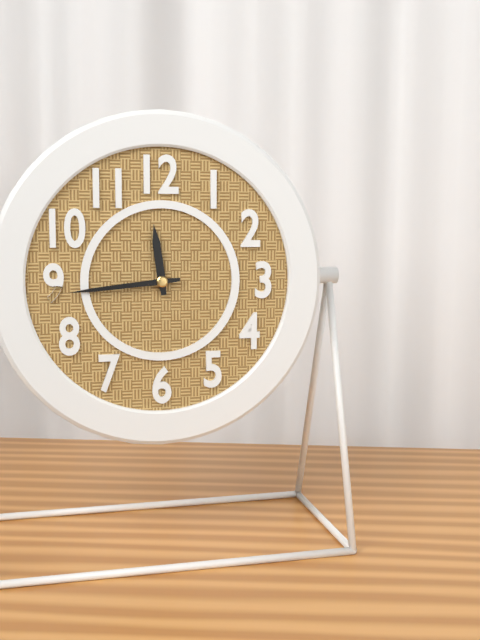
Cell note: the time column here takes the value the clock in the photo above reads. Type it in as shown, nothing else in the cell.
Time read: 11:44
